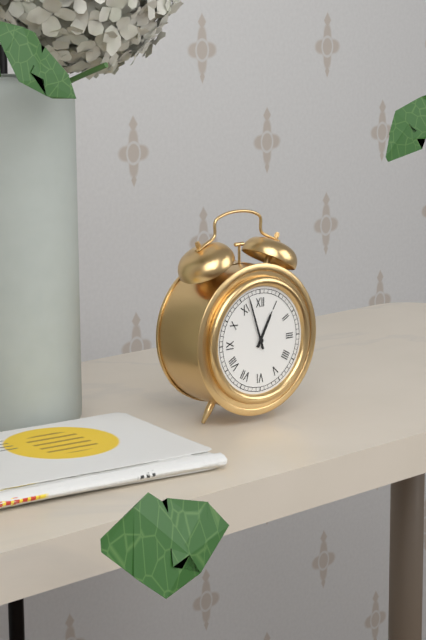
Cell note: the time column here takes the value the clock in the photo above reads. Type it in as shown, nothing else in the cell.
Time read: 12:57
